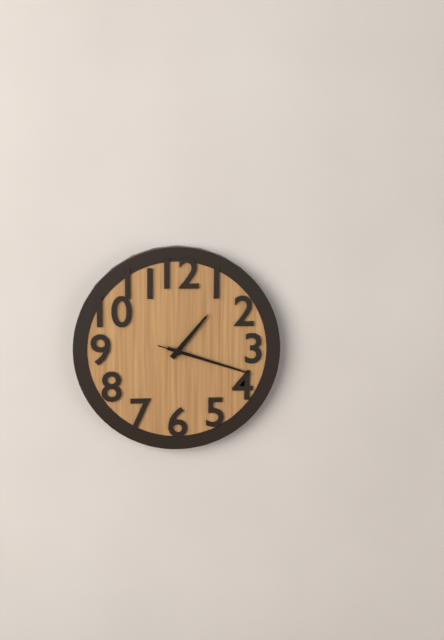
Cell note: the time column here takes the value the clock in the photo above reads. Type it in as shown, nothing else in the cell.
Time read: 1:18:18
